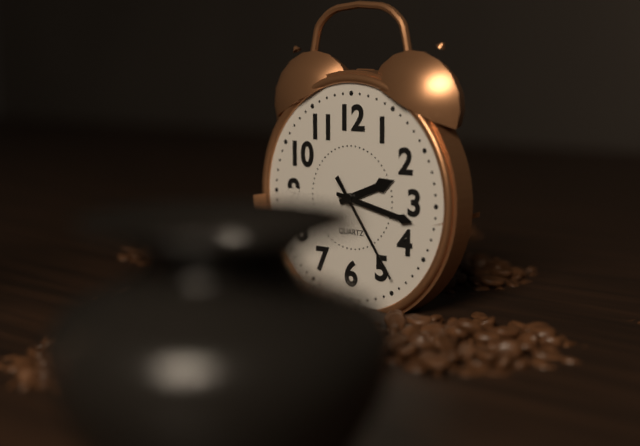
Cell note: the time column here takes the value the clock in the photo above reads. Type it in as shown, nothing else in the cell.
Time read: 2:17:24
